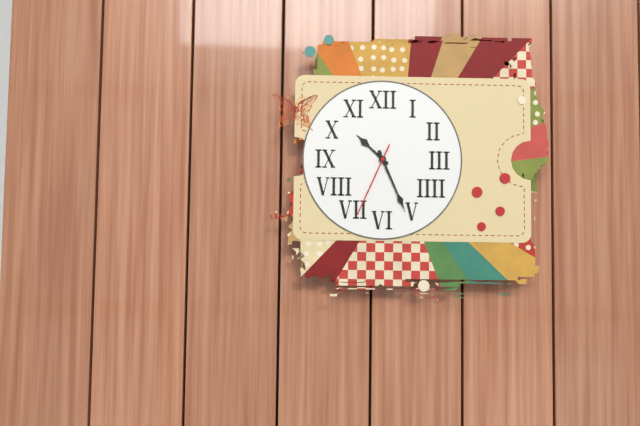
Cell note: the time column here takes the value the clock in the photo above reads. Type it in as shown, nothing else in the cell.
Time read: 10:26:34
